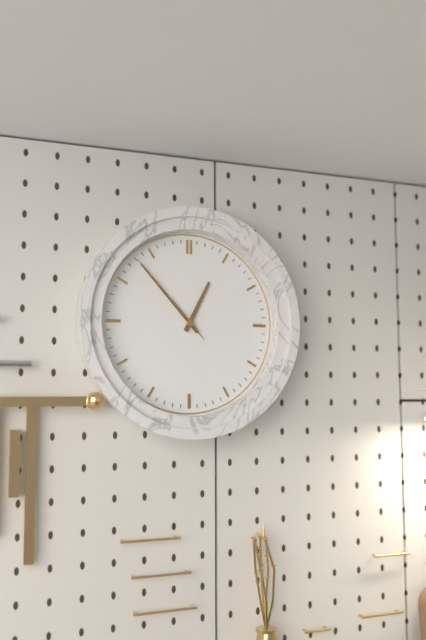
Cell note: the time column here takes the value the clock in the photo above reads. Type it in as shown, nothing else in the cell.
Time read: 12:53:53
